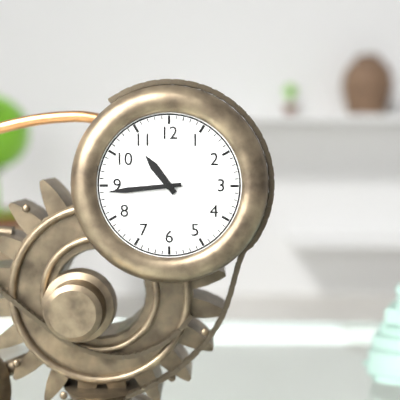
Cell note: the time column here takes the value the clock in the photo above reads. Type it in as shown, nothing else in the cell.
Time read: 10:44
